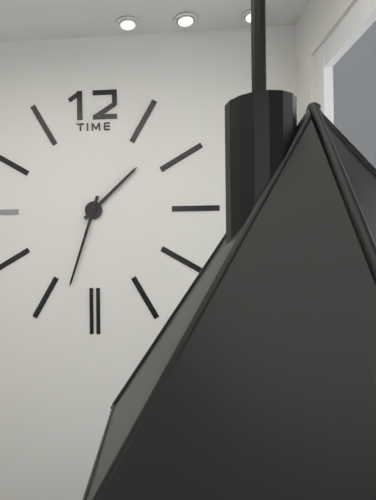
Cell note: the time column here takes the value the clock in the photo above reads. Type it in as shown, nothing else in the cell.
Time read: 1:33
